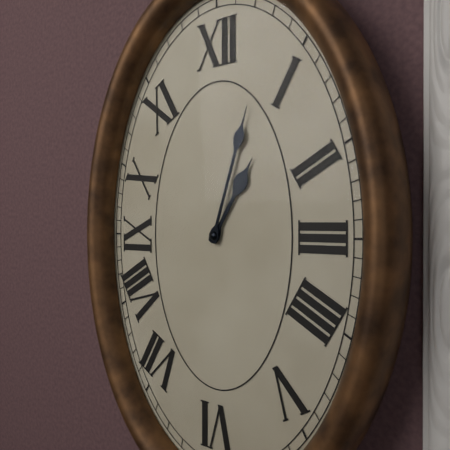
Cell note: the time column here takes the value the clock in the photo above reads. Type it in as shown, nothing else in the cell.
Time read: 1:03
